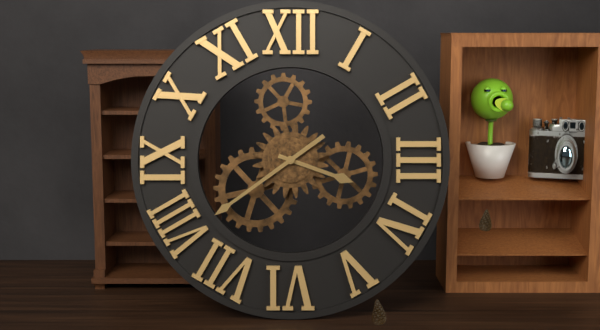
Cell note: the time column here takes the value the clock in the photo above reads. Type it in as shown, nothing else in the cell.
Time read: 3:39
